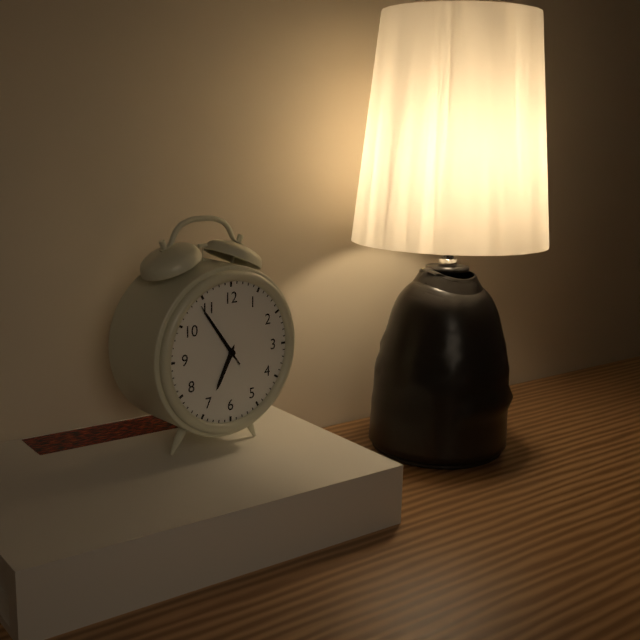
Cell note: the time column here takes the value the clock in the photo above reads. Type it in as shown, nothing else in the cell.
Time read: 6:54:54
